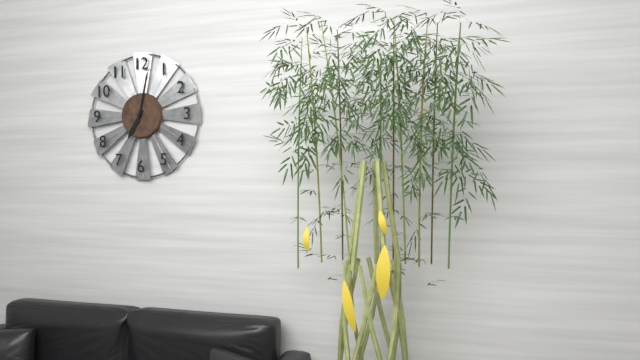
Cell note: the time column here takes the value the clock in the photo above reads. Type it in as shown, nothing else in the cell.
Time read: 7:02
